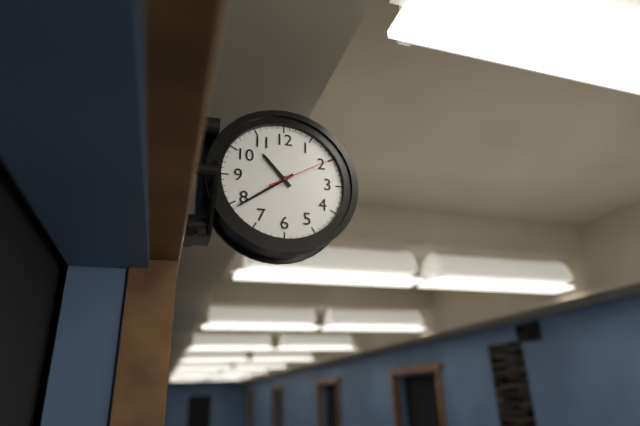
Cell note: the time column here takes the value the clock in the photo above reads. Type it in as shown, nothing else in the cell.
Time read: 10:39:10
